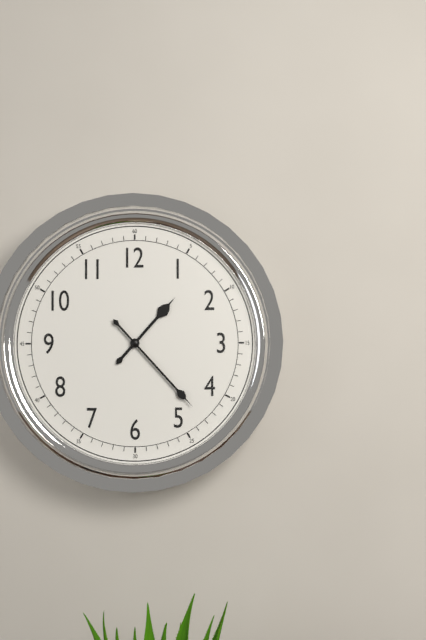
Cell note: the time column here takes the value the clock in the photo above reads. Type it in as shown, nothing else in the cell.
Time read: 1:23
